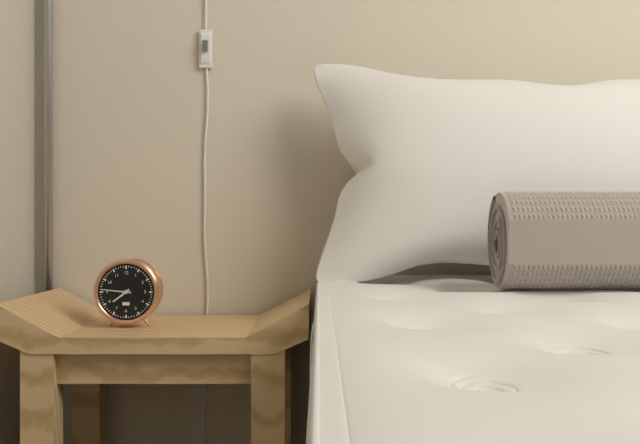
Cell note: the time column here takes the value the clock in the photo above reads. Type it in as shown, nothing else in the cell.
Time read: 7:46
